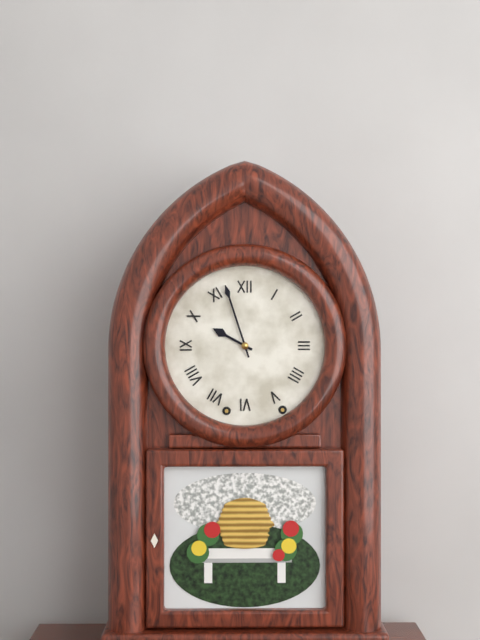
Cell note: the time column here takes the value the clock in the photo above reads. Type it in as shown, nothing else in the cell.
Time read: 9:57
